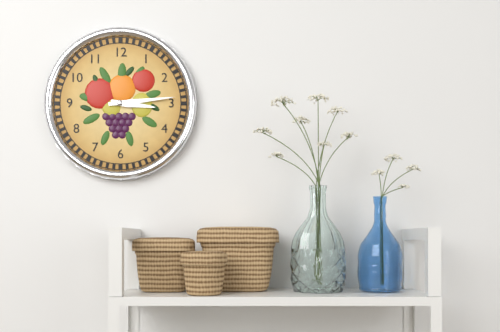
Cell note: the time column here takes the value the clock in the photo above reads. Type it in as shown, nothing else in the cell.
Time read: 3:14
